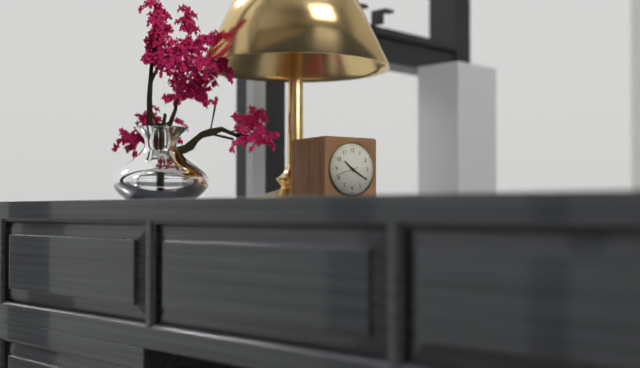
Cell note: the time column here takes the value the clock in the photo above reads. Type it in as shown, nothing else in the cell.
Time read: 10:20
